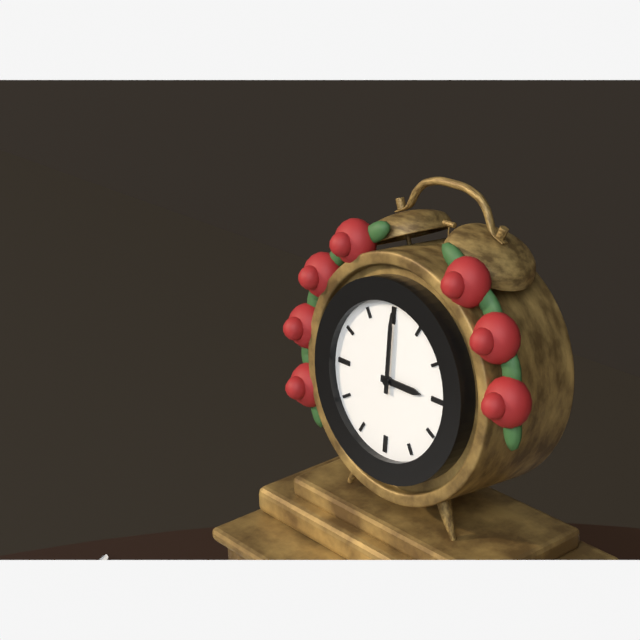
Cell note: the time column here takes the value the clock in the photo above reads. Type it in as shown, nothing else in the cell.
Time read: 3:00
